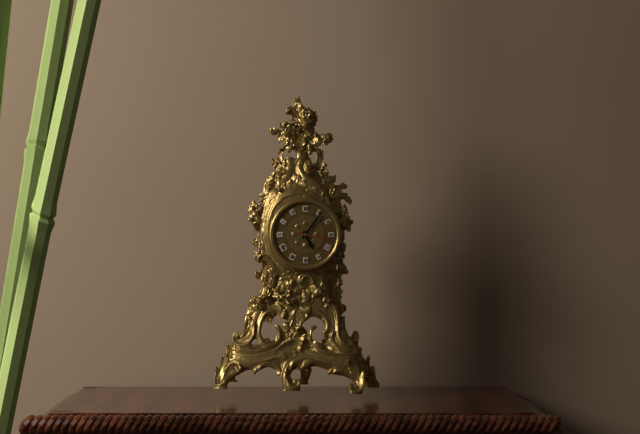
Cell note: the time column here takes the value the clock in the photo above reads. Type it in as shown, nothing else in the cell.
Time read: 5:06
